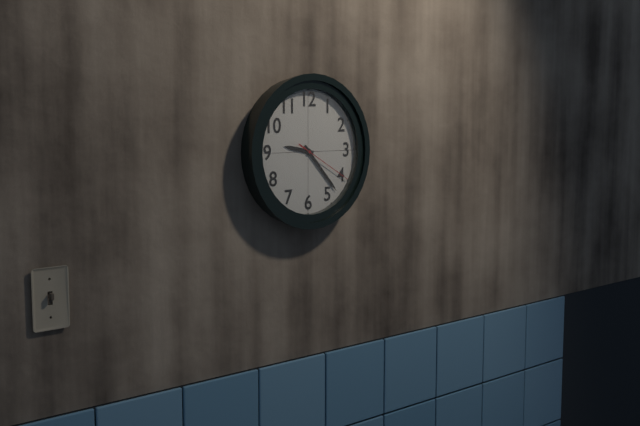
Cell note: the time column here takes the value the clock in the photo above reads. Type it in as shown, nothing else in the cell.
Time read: 9:23:20
